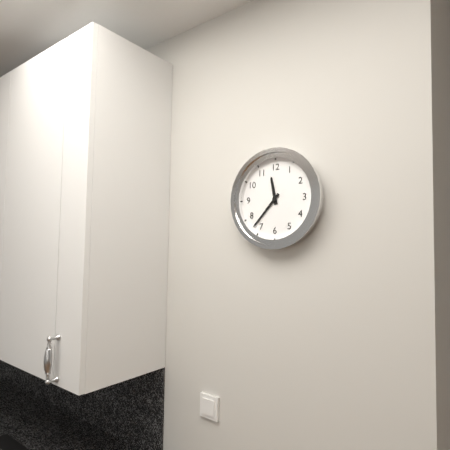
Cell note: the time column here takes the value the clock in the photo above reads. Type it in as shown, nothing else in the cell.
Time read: 11:37
